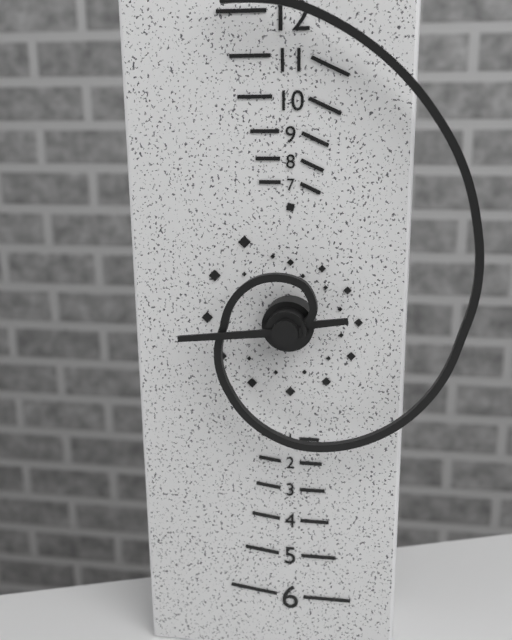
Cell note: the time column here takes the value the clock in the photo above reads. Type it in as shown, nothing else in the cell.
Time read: 2:44
